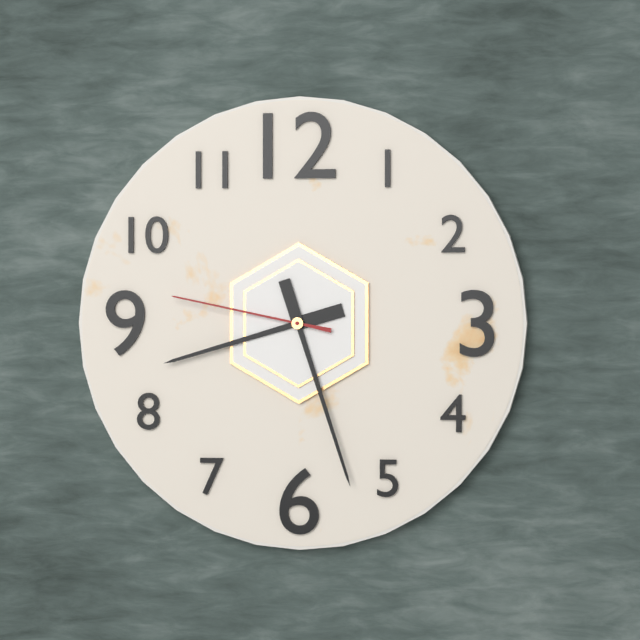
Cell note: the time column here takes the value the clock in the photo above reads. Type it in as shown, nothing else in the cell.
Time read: 8:27:47
